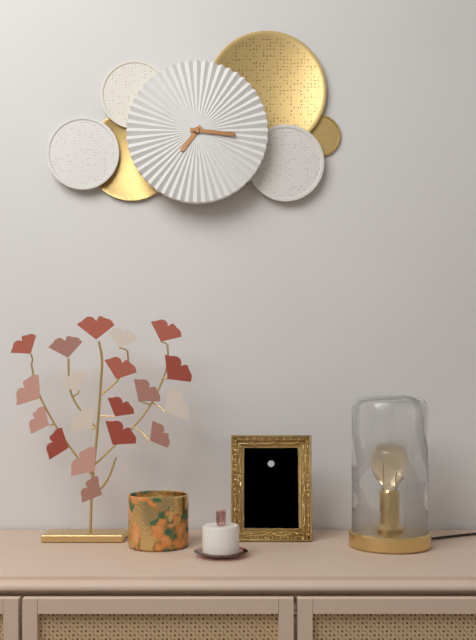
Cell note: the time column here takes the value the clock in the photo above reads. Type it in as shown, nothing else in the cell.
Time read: 7:16
